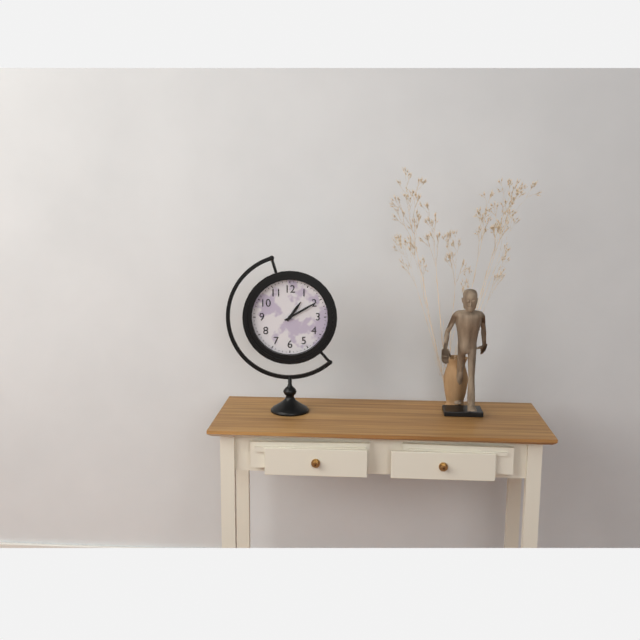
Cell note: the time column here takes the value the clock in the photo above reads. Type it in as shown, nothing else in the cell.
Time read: 1:10
